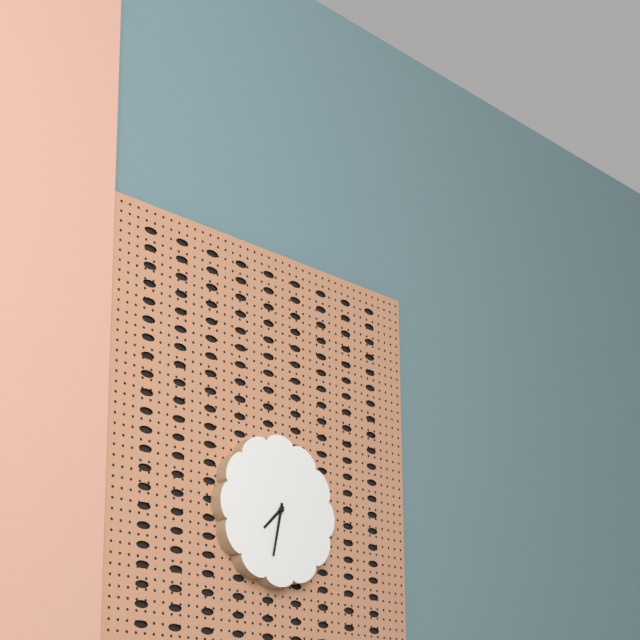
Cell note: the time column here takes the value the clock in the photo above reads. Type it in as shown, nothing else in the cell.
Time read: 7:32
